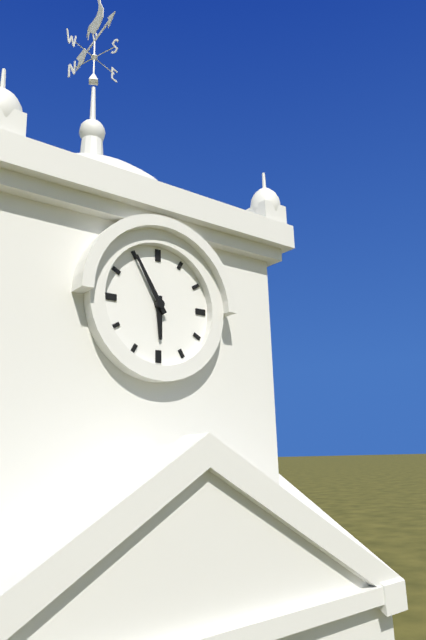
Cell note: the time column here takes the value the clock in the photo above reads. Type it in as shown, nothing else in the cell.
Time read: 5:55
